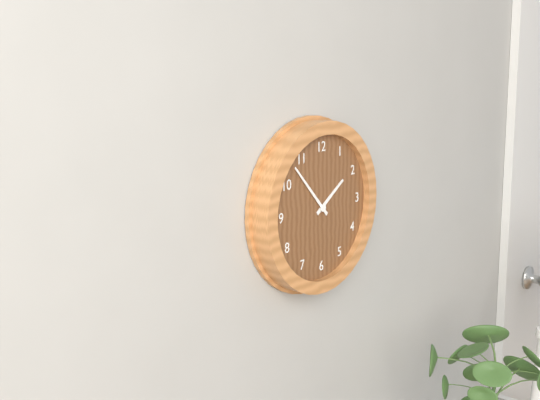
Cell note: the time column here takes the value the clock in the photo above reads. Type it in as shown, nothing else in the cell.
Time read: 1:53
